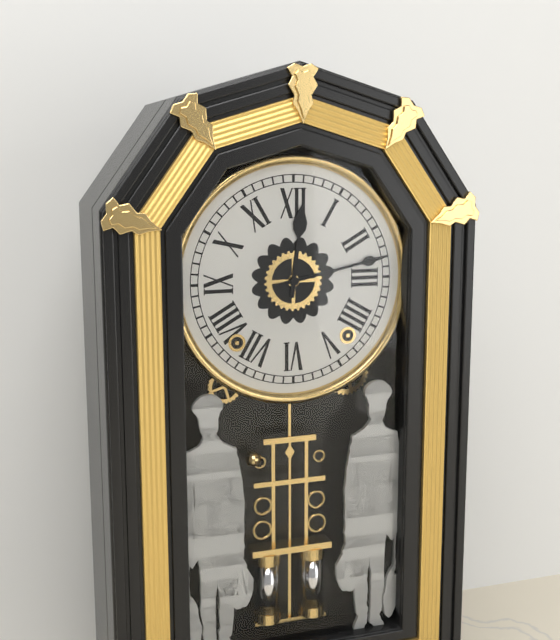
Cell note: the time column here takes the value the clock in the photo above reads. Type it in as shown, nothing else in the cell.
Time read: 12:13
